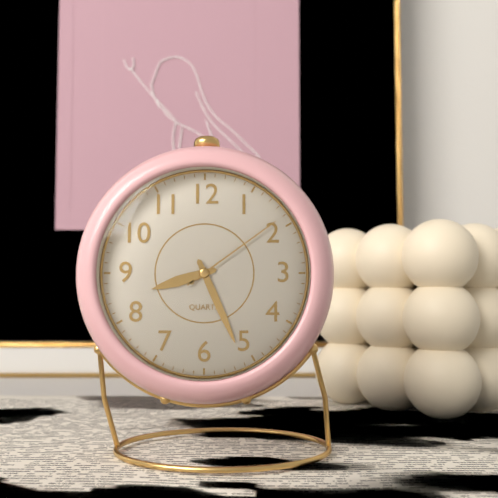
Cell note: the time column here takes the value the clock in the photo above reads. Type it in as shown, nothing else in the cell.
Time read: 8:26:09
